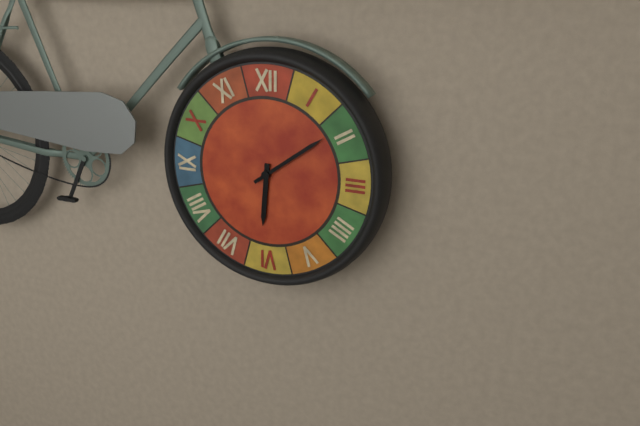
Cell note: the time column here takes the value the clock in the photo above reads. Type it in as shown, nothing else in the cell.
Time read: 6:09
